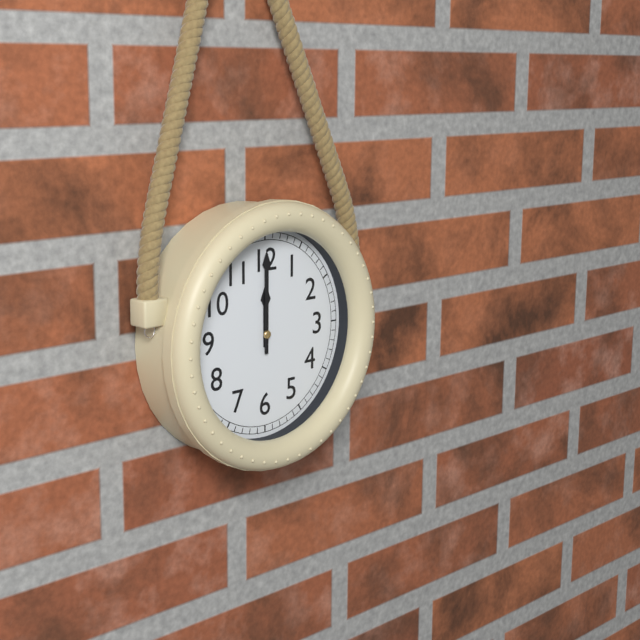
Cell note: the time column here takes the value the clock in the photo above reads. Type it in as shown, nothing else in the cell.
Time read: 12:00
